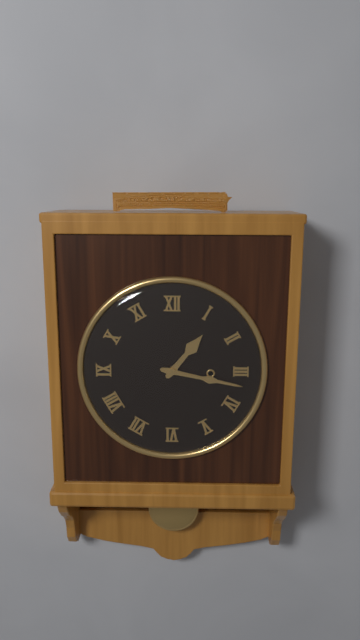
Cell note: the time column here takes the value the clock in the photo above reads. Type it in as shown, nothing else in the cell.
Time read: 1:17
